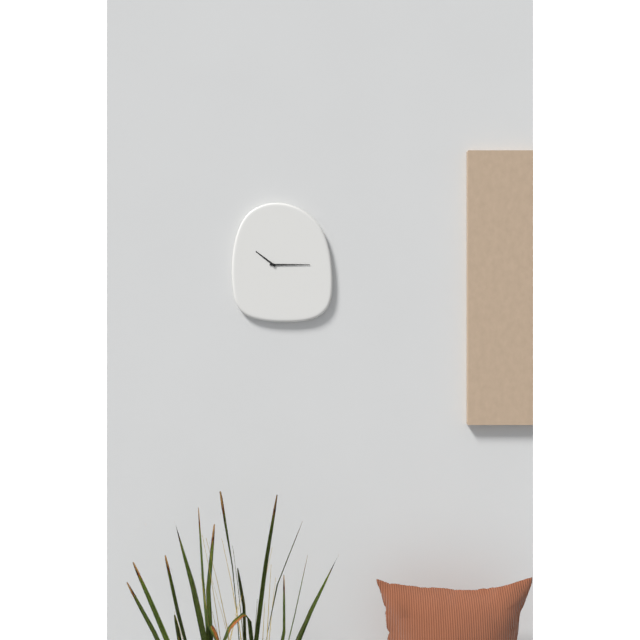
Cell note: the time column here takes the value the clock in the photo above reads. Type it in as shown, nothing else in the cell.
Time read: 10:15
